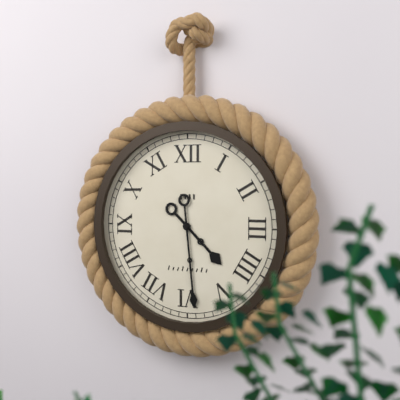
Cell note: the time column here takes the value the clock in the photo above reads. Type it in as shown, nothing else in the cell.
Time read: 4:29
